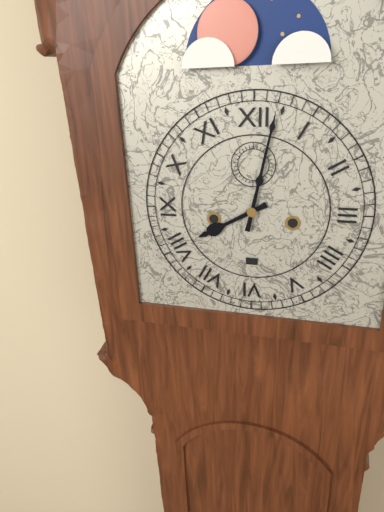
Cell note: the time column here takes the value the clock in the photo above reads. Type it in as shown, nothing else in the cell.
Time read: 8:02
